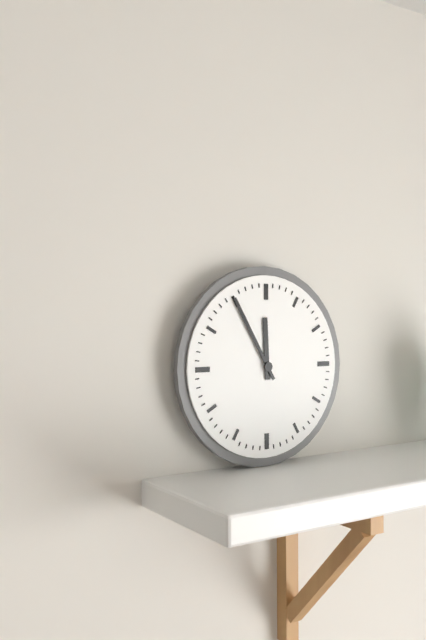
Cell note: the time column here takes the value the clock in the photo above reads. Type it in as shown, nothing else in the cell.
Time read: 11:55
